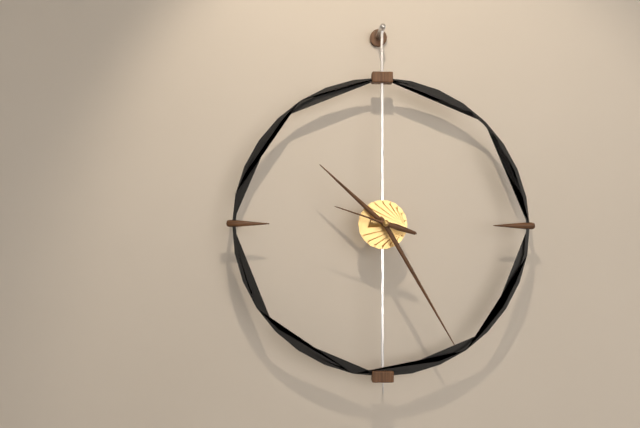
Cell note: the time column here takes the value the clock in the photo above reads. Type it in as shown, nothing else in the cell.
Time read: 10:25:48
